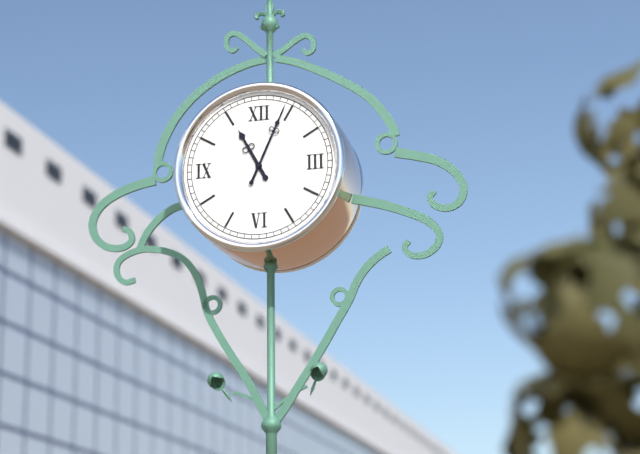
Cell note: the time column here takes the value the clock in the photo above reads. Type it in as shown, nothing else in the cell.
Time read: 11:04
